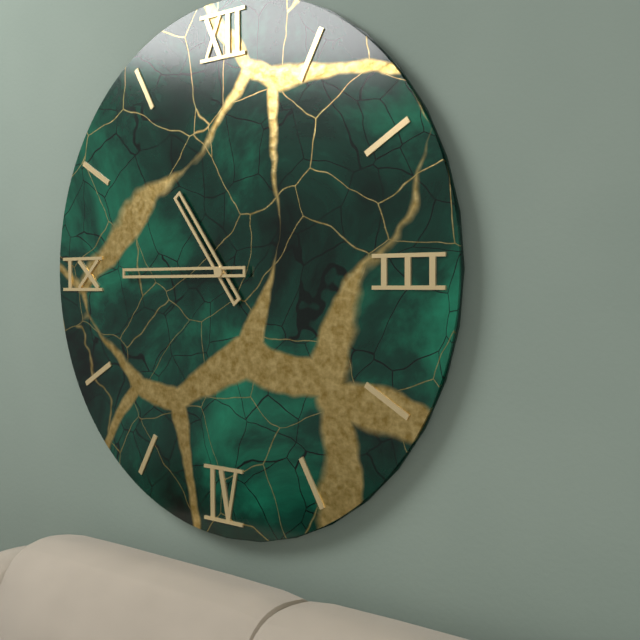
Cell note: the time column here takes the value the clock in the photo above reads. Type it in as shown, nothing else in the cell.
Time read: 10:45
